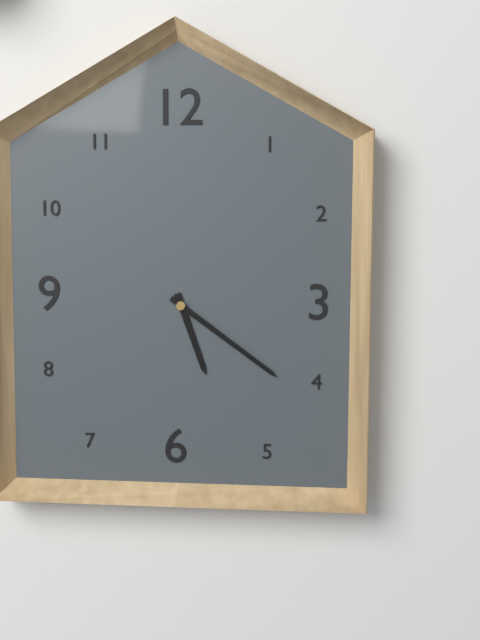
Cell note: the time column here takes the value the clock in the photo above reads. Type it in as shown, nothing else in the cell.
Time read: 5:21
